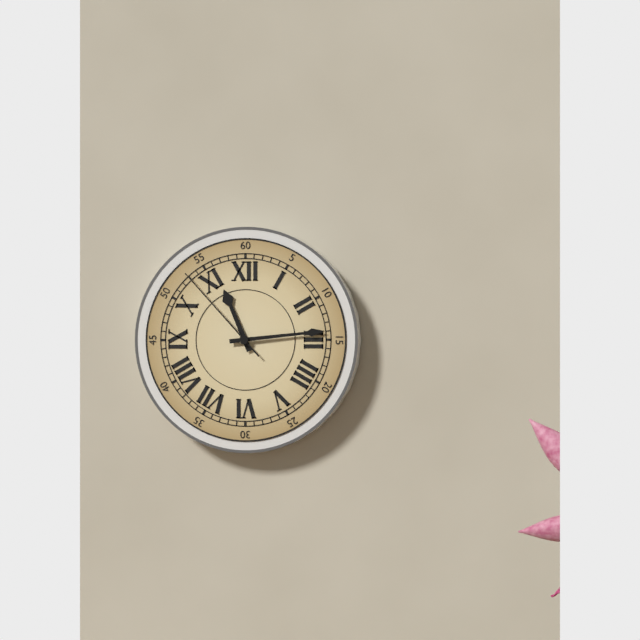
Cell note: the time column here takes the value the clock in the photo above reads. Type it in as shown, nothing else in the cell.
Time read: 11:14:53
